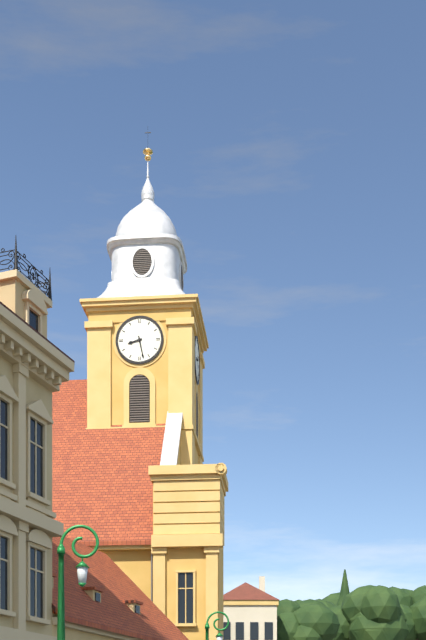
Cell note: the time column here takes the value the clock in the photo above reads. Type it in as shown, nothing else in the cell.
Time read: 8:28
